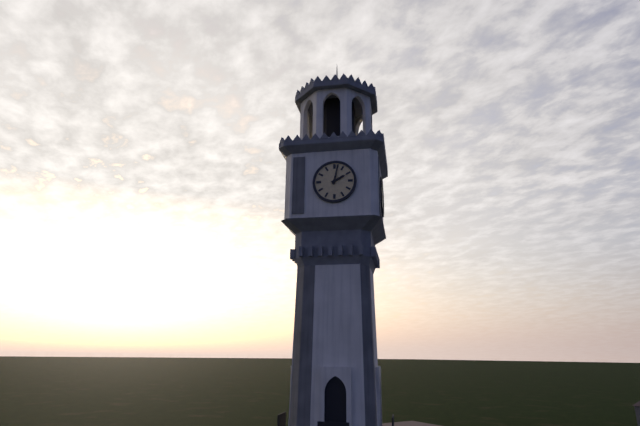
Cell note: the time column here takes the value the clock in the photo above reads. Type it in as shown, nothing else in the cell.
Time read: 2:02
